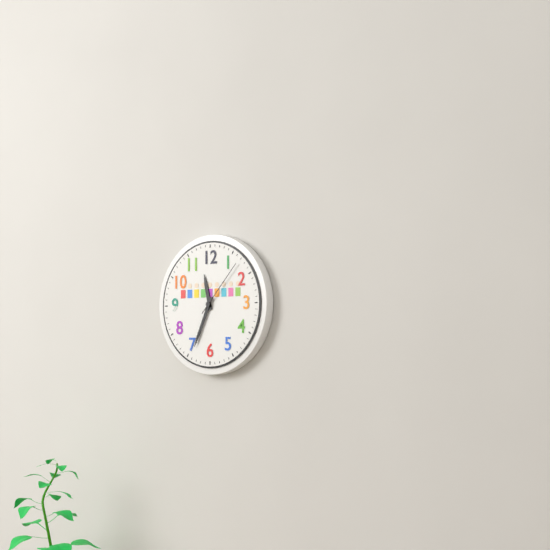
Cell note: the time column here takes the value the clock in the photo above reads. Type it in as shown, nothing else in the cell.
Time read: 11:34:07
